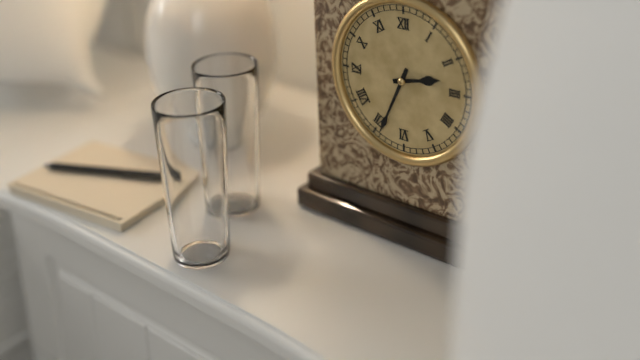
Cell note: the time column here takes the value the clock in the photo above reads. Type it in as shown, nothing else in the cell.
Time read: 2:34
